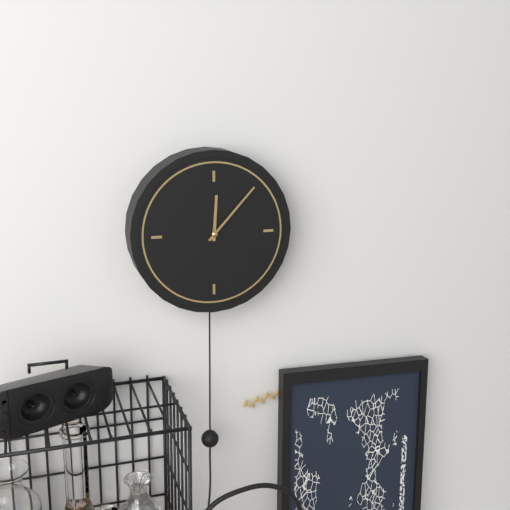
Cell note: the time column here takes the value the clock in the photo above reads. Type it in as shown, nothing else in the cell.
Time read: 12:07
